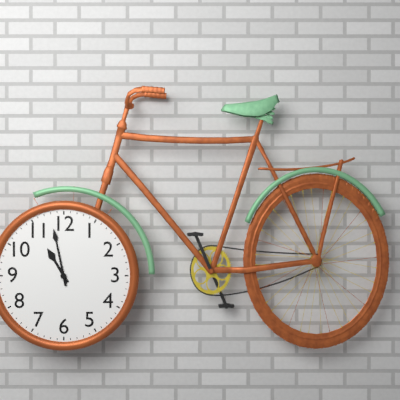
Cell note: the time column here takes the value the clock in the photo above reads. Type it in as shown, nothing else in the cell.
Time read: 10:58
